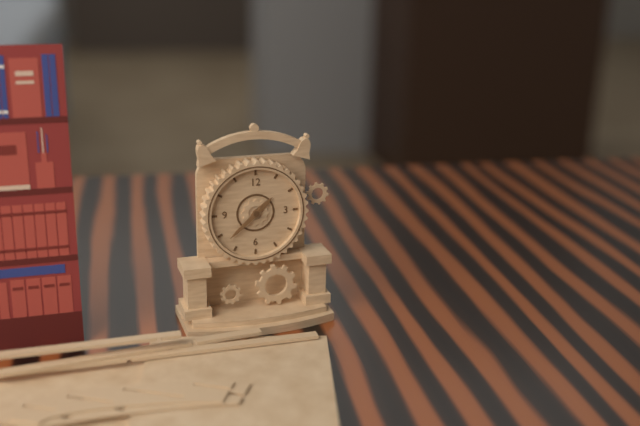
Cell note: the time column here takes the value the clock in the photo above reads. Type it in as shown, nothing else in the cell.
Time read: 1:38
